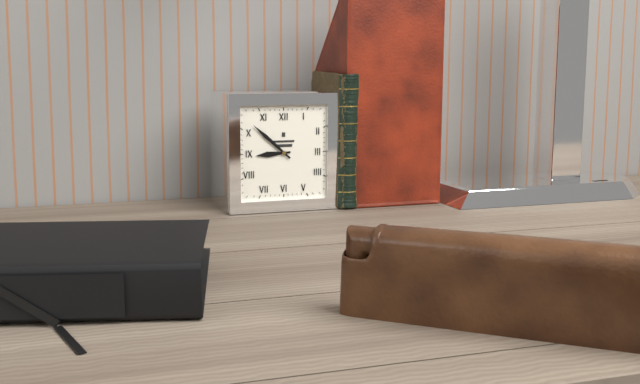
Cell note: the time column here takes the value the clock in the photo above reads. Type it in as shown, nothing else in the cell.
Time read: 8:52
